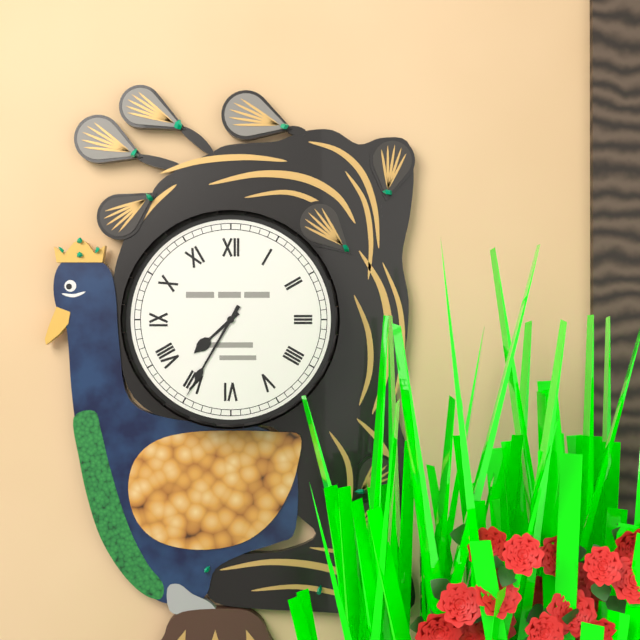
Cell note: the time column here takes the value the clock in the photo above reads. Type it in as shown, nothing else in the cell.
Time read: 7:35
